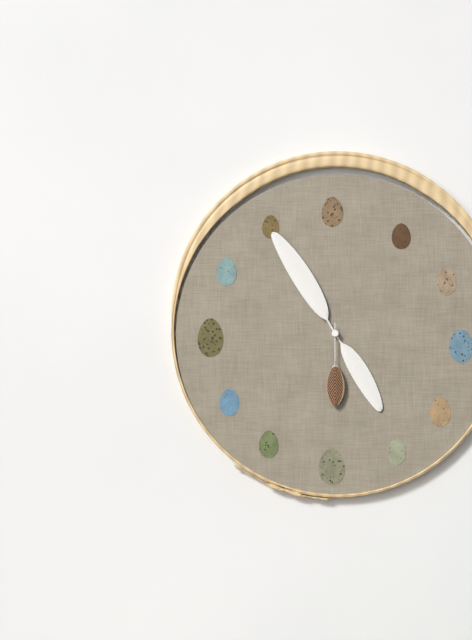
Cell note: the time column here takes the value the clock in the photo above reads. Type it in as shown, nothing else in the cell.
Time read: 4:55:30
